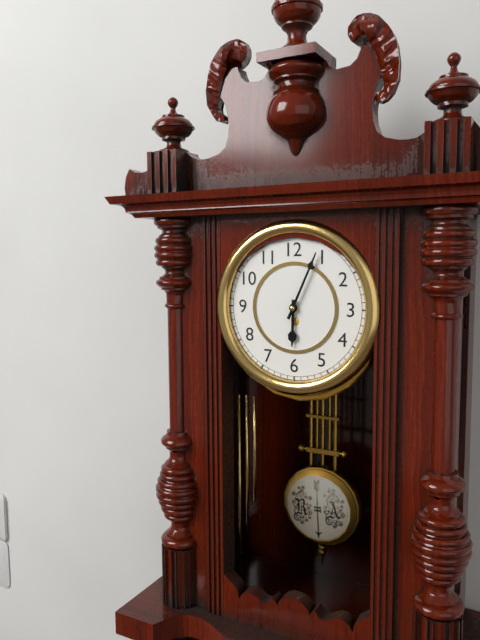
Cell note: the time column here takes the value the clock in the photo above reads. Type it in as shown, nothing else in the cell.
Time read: 6:04
